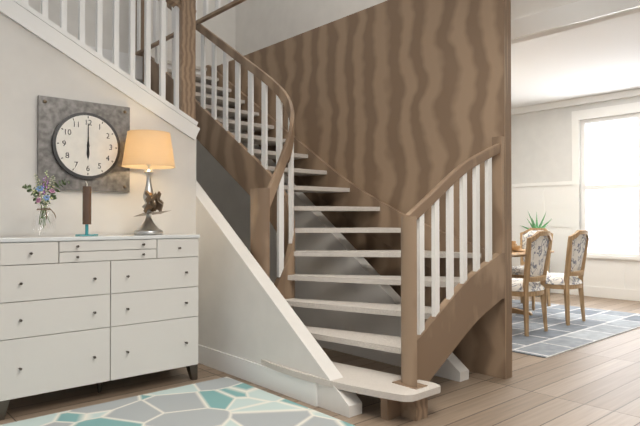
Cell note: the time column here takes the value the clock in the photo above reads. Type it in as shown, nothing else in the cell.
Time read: 6:00
